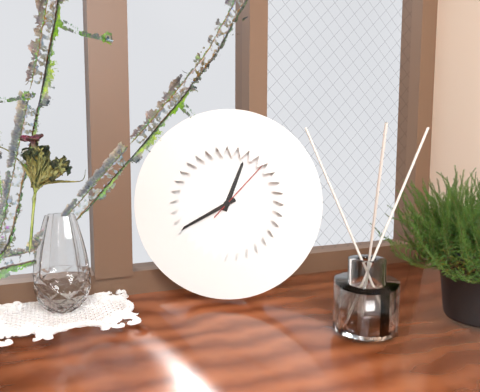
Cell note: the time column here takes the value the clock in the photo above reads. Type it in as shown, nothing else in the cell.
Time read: 12:40
